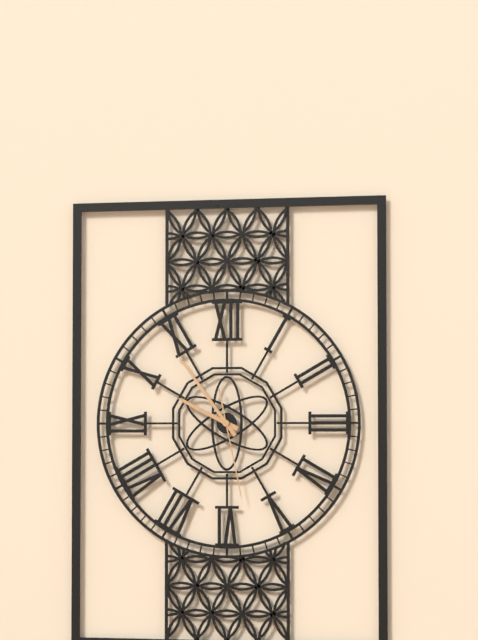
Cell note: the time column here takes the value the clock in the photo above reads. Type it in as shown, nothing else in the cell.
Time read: 9:54:28
